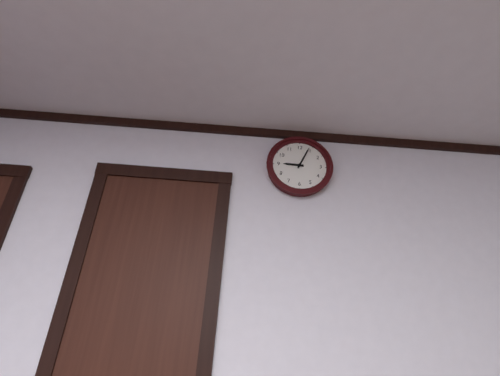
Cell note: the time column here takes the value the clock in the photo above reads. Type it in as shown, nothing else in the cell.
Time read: 9:04
